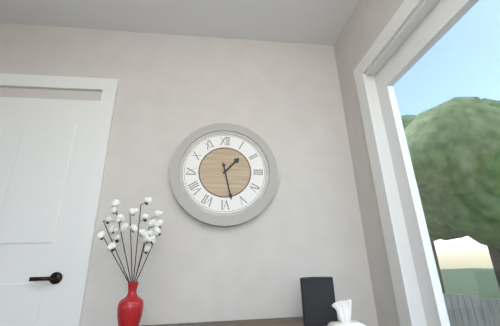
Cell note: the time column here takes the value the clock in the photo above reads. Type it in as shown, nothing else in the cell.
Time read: 1:28
